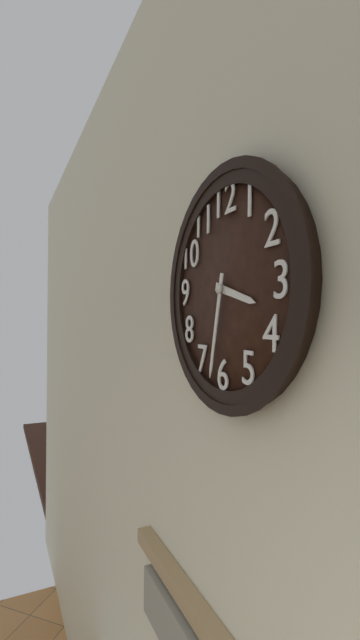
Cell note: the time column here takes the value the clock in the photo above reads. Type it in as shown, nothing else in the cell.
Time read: 3:32
